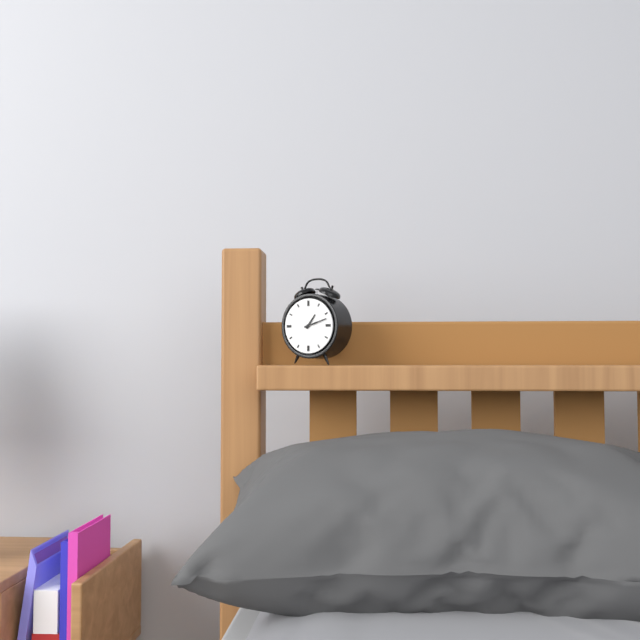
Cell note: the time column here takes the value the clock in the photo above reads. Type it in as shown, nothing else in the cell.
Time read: 1:12
